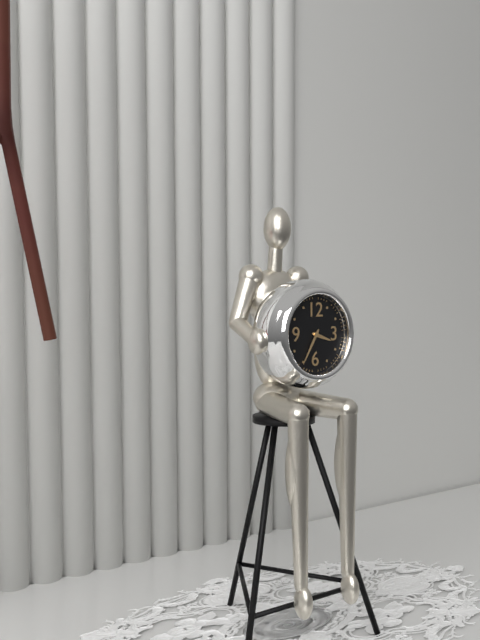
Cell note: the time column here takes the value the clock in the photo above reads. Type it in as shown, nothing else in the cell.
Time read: 3:35
